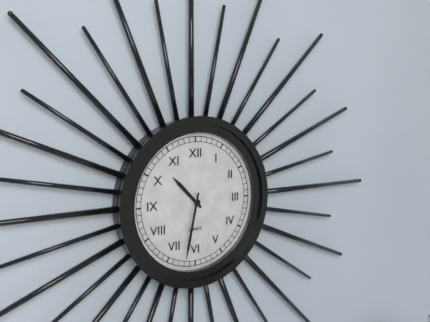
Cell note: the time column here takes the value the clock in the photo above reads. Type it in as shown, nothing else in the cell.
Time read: 10:32
